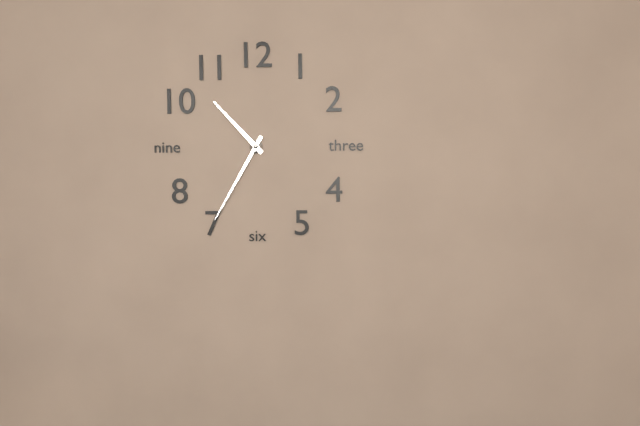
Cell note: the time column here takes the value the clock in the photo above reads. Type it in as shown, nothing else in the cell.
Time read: 10:35
